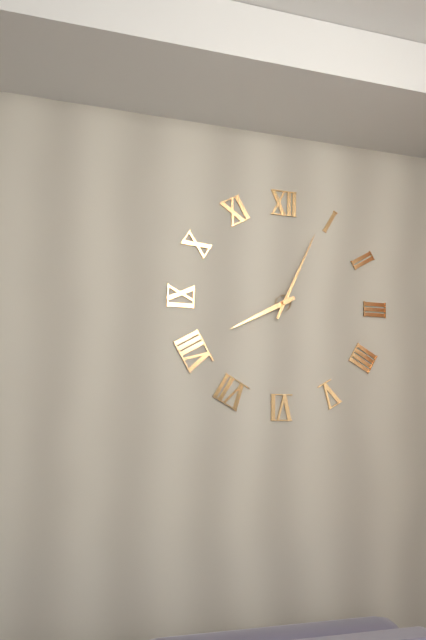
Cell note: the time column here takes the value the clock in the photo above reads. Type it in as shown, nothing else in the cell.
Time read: 8:04
